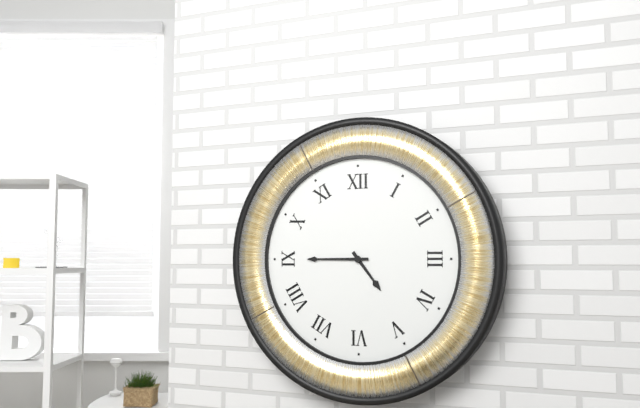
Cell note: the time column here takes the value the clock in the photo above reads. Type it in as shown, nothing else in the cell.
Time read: 4:45
